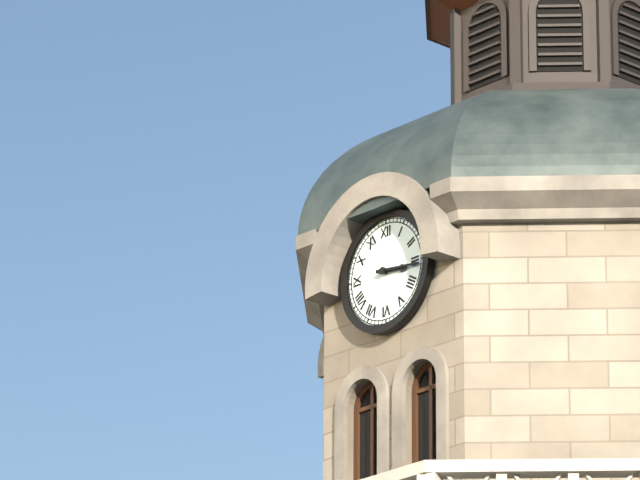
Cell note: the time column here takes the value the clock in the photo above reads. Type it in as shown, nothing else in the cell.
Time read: 3:16
